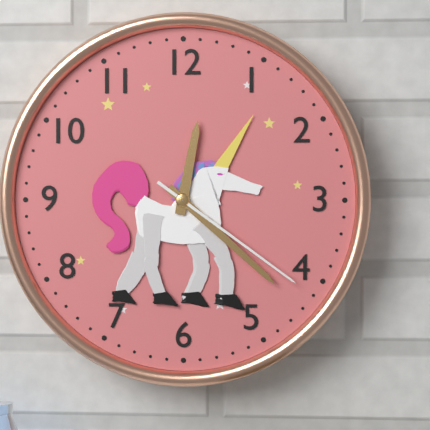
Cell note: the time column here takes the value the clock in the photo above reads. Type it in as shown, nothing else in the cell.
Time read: 12:22:21
